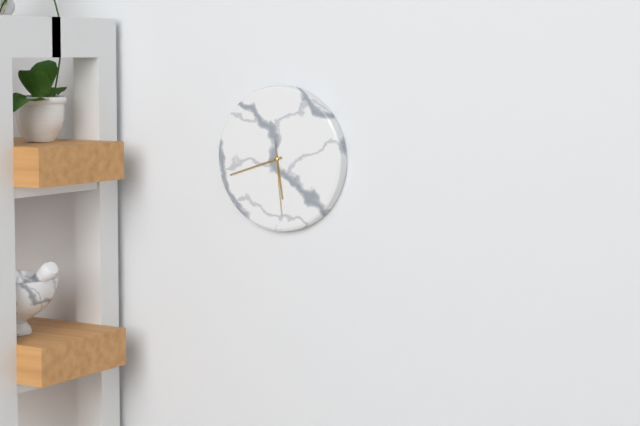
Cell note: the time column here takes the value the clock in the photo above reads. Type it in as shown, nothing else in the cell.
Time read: 5:42:29
